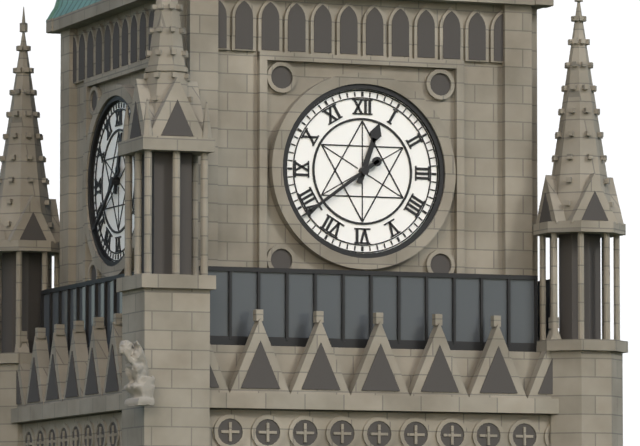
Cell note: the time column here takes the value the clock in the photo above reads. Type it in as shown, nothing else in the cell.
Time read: 12:39
